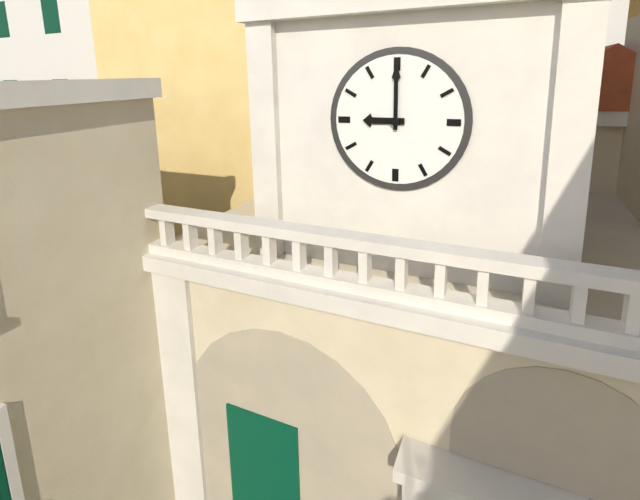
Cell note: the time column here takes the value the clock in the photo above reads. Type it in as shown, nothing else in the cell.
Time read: 9:00
